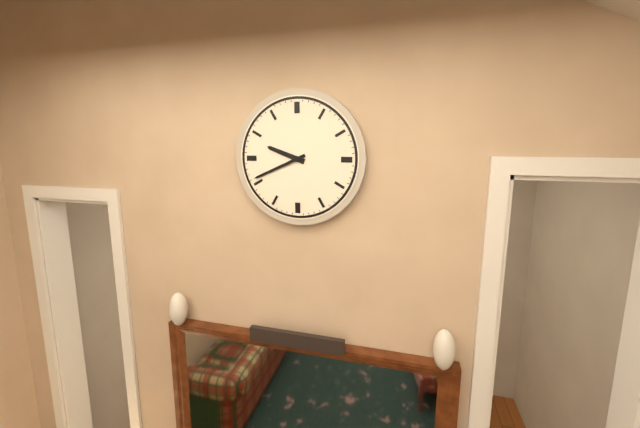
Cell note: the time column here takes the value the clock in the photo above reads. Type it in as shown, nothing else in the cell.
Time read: 9:41
